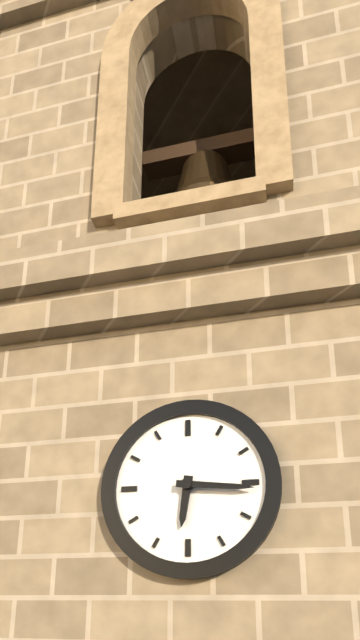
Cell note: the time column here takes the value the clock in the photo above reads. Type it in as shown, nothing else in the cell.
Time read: 6:16
